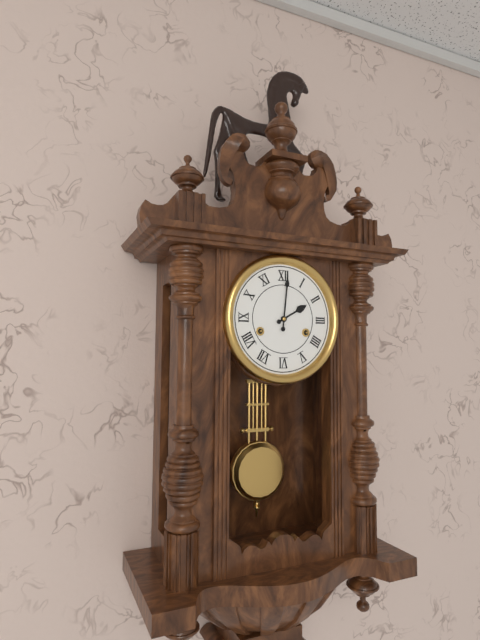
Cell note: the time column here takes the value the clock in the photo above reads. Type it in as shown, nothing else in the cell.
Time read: 2:01
